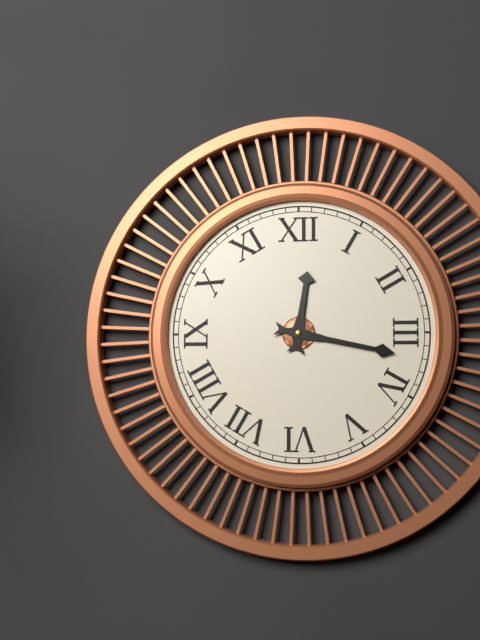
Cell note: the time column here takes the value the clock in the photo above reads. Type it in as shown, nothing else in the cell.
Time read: 12:17
